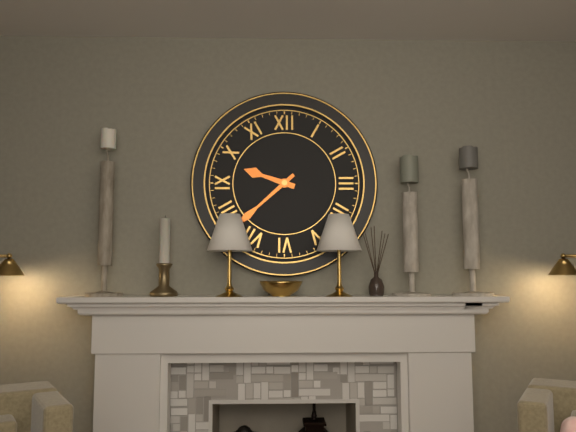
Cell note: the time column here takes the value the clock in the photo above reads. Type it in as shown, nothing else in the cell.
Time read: 9:38
